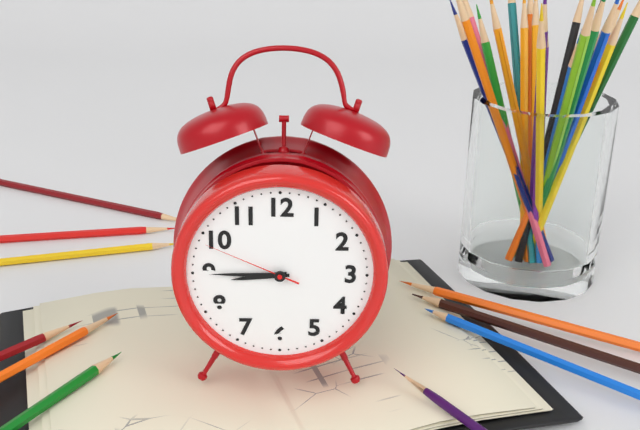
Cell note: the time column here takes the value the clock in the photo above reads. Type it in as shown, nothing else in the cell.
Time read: 8:45:49
